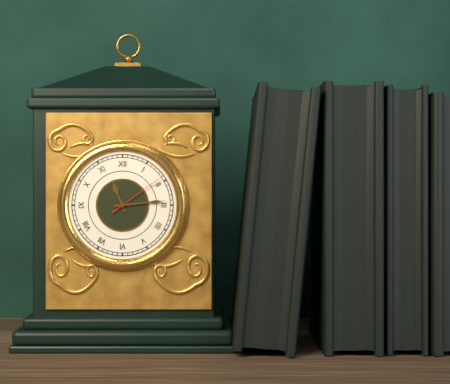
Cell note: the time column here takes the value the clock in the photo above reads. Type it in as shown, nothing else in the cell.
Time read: 11:14:09
